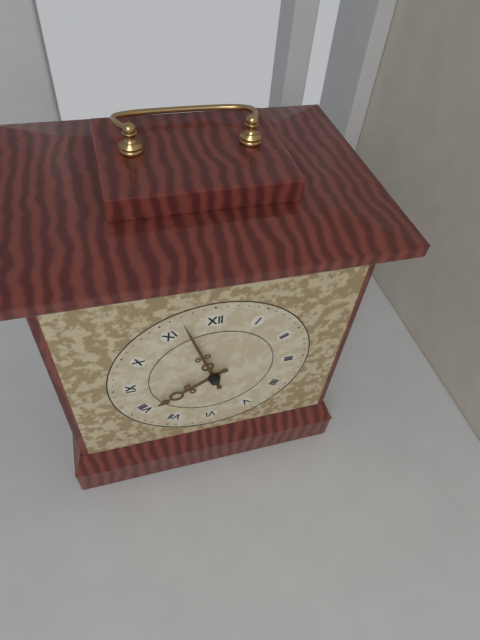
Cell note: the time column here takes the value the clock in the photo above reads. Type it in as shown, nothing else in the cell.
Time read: 7:57
